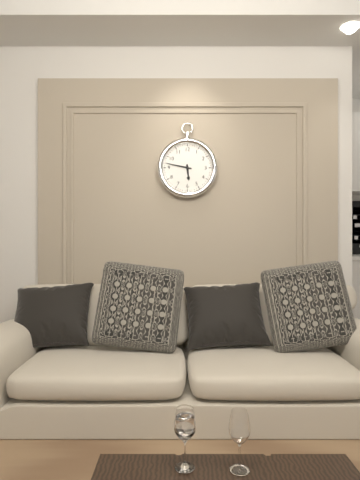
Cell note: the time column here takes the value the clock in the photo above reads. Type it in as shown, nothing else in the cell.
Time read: 5:47
